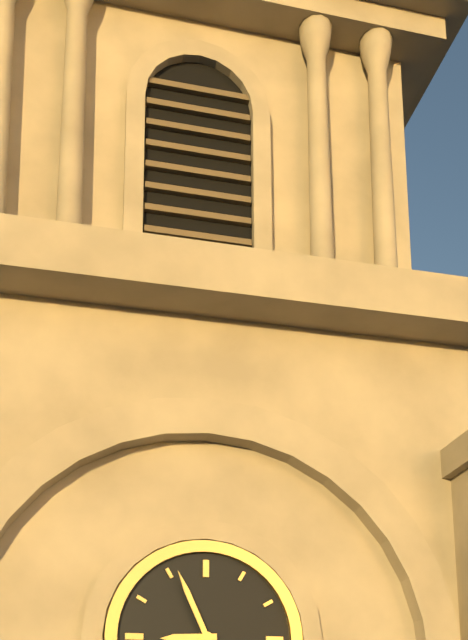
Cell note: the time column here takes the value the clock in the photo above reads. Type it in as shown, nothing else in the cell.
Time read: 8:56
